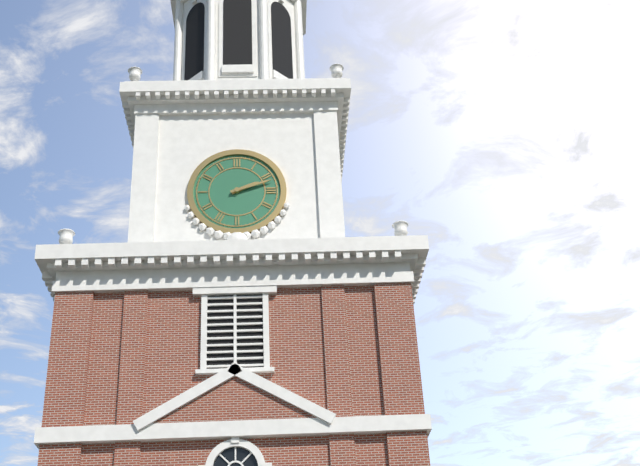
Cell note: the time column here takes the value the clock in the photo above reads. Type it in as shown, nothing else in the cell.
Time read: 2:12
